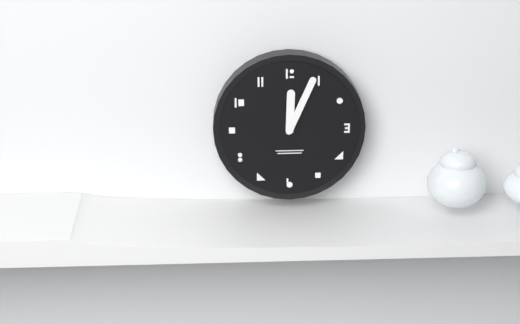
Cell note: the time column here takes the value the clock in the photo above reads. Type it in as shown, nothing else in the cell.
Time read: 12:04
